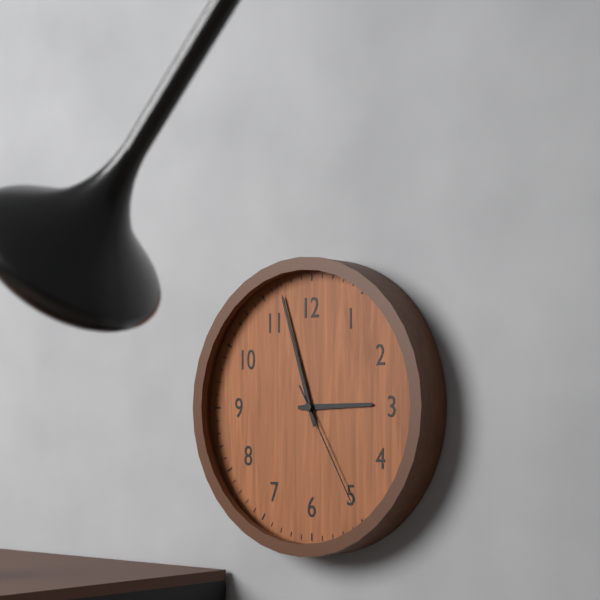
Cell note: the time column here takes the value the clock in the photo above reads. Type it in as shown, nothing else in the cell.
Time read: 2:57:25
